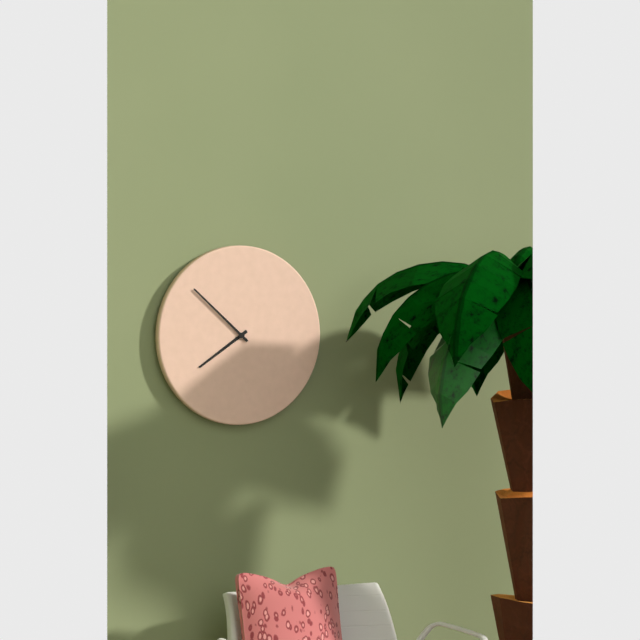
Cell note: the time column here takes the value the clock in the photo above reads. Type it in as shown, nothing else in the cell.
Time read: 7:52
